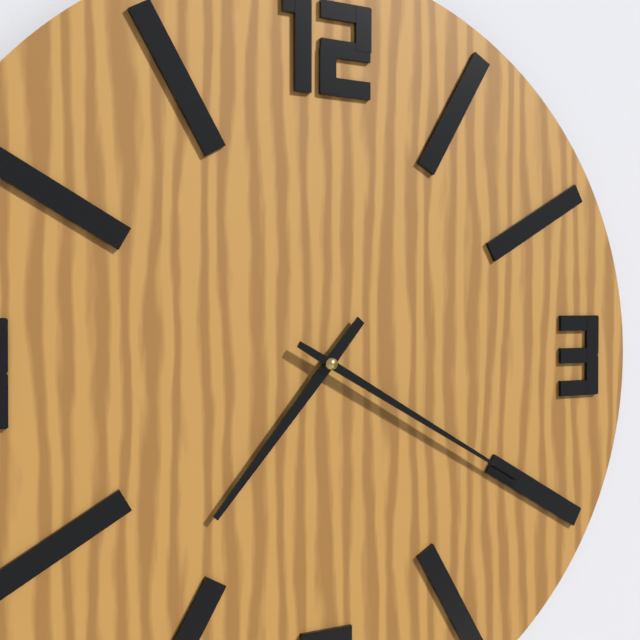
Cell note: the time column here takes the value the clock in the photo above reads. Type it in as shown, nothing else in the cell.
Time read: 7:20
